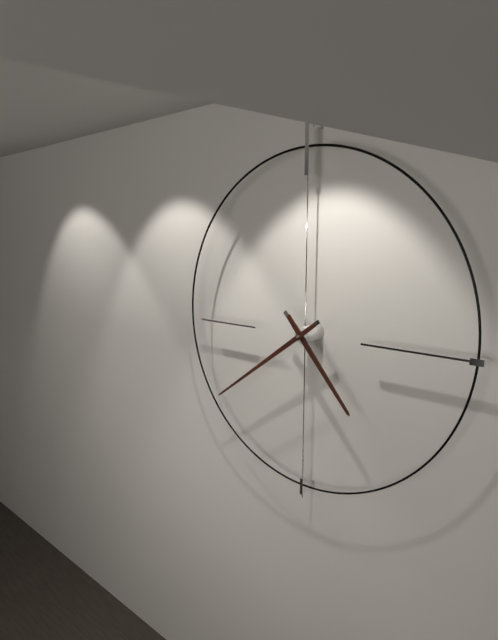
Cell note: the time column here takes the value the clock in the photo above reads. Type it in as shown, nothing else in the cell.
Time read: 4:39
